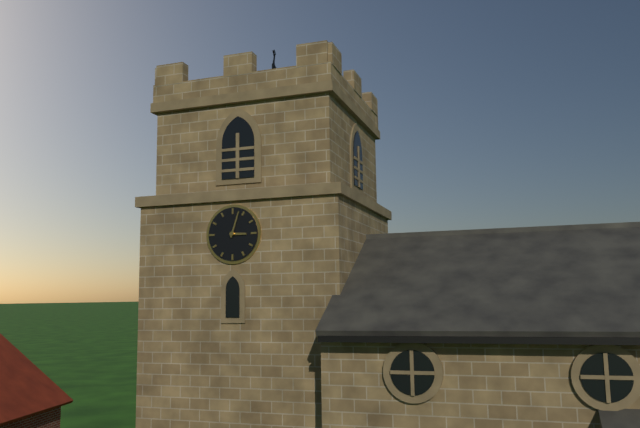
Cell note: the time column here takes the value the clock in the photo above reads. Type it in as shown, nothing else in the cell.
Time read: 3:03
